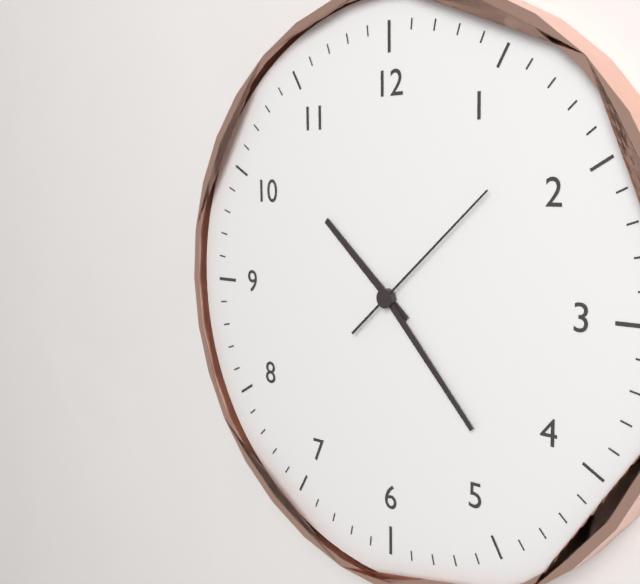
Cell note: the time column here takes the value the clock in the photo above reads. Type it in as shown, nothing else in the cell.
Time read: 10:23:08
